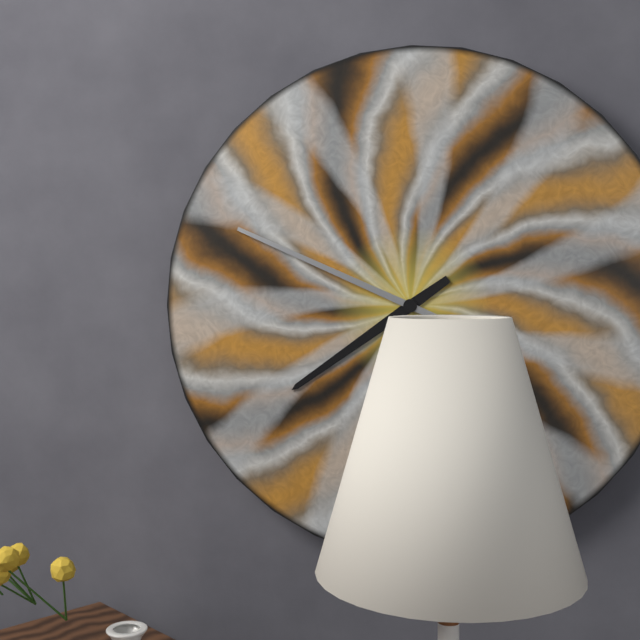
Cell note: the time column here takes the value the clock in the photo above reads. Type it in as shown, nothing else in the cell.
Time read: 7:49
